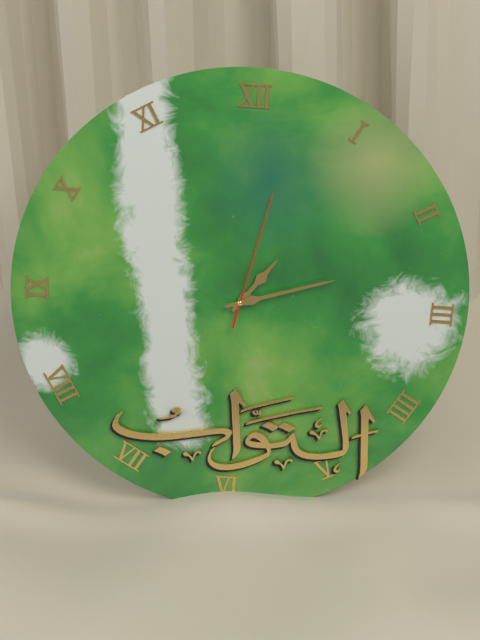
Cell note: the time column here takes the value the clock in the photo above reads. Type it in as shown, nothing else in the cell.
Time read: 1:12:02
